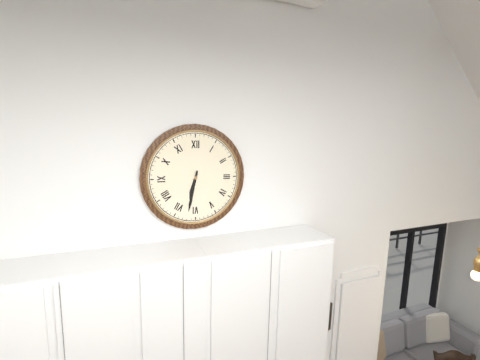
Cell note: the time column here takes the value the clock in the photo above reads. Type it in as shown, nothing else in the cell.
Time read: 6:32
